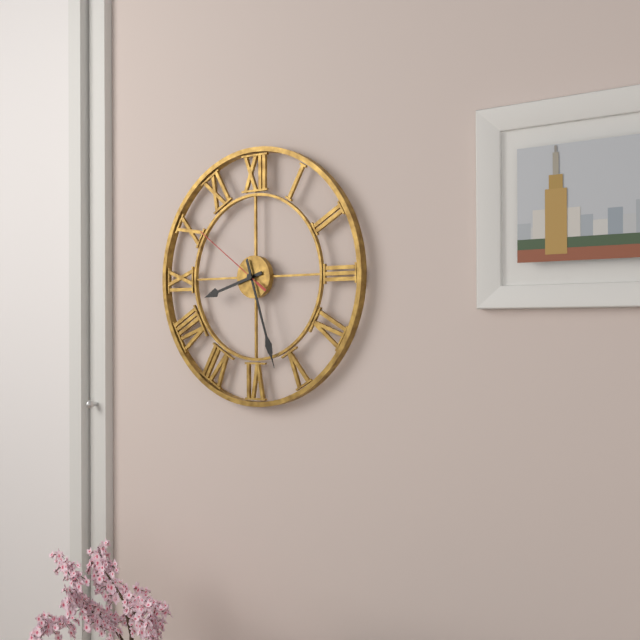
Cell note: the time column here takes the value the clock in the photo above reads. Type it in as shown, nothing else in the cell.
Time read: 8:27:51
